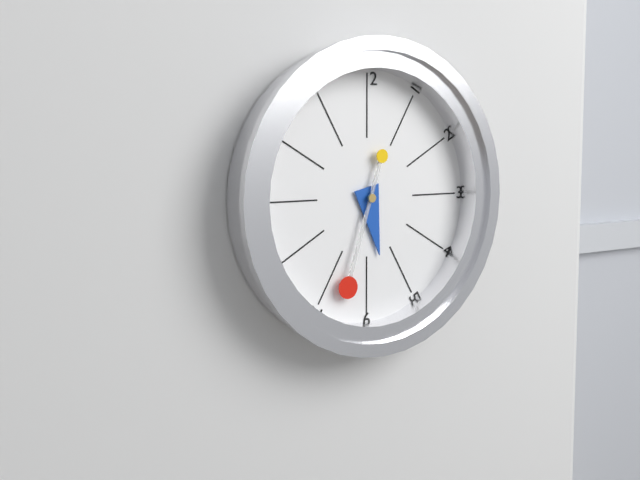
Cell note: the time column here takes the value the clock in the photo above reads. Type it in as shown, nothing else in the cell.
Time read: 5:33
